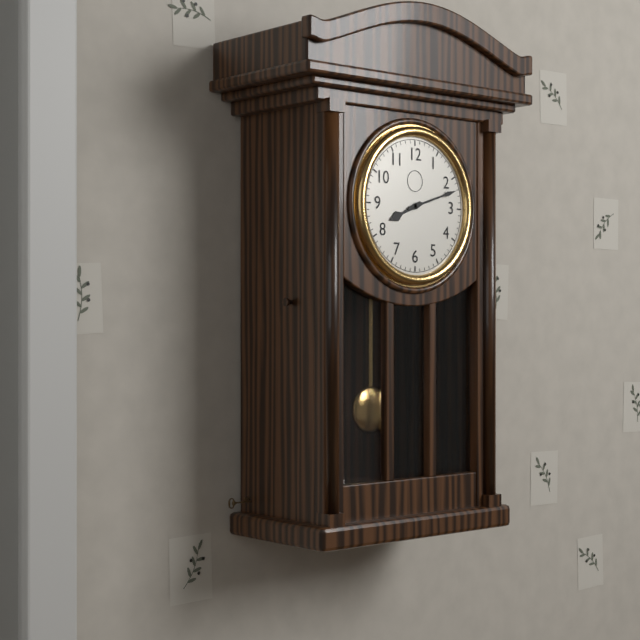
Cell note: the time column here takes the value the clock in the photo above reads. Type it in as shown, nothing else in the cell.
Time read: 8:12
